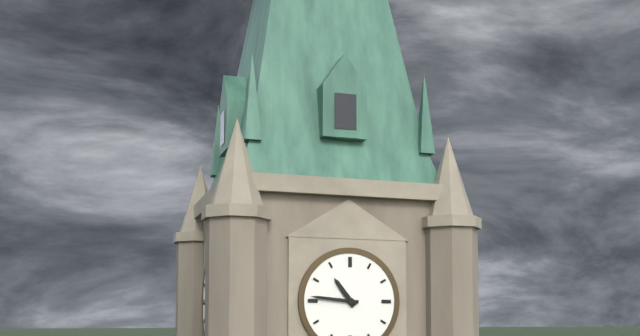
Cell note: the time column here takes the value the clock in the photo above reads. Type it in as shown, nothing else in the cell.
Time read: 10:46
